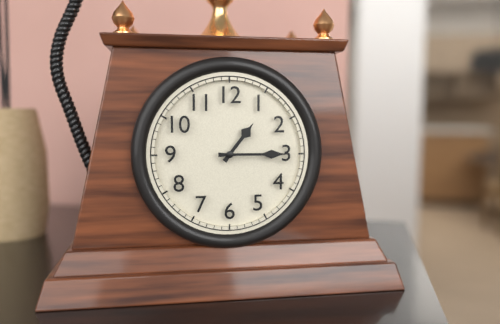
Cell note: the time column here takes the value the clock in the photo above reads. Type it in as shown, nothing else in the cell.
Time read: 1:15
